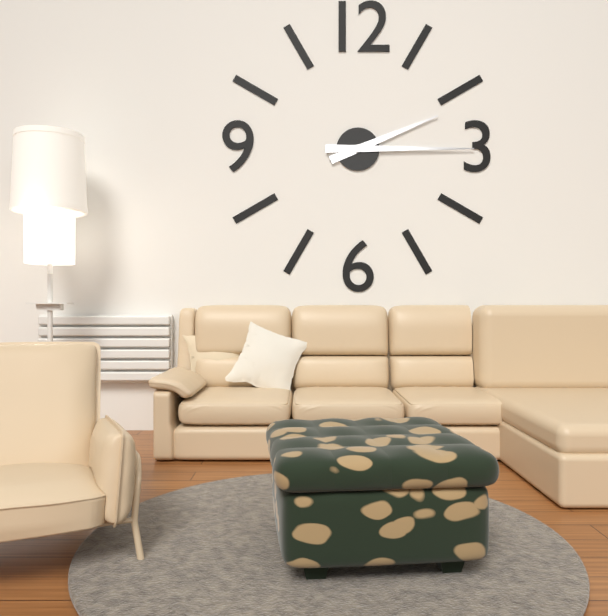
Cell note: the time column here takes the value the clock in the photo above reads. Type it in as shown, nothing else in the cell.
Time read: 2:15
